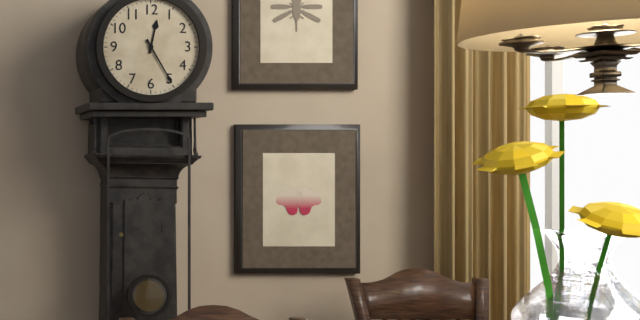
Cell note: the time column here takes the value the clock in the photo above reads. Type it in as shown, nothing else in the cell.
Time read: 12:25
